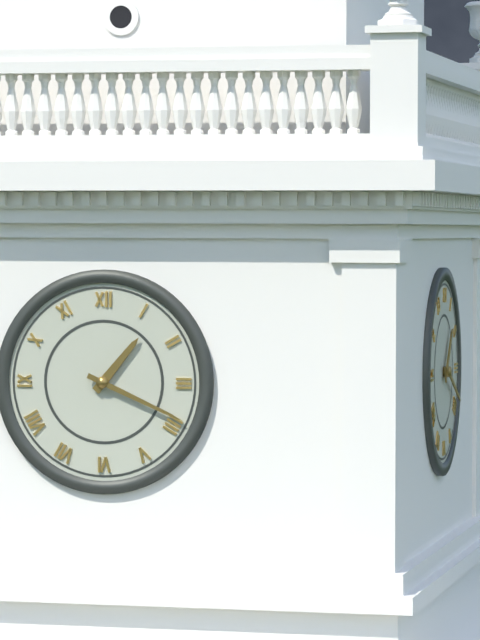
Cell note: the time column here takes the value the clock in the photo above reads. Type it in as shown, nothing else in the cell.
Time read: 1:19
